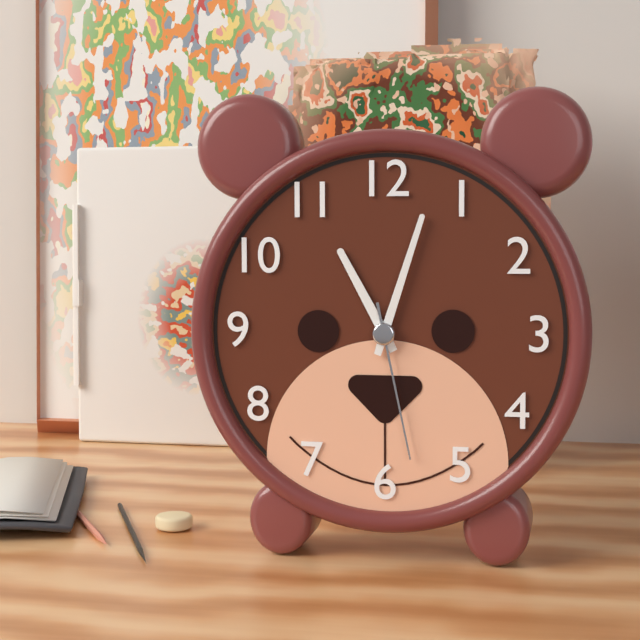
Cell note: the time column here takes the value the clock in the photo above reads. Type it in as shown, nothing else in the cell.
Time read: 11:03:28
